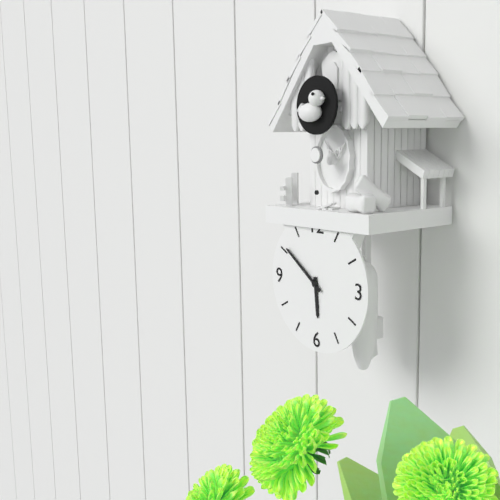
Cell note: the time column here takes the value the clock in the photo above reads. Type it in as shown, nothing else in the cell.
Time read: 5:51
